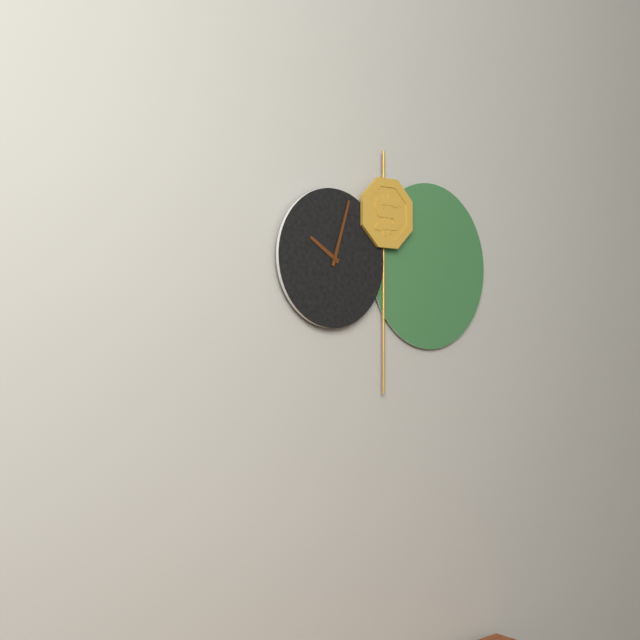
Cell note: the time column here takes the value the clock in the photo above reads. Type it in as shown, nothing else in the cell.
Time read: 10:03
